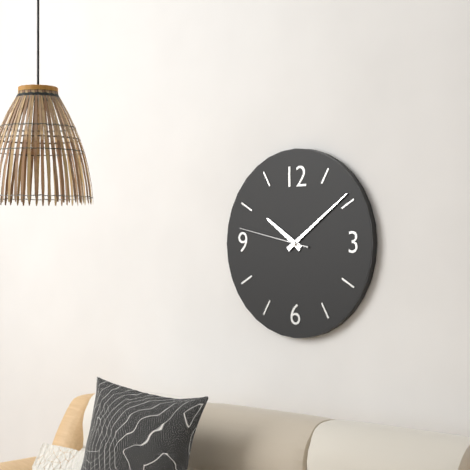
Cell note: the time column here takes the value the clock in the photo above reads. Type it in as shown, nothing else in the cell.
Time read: 10:09:47
